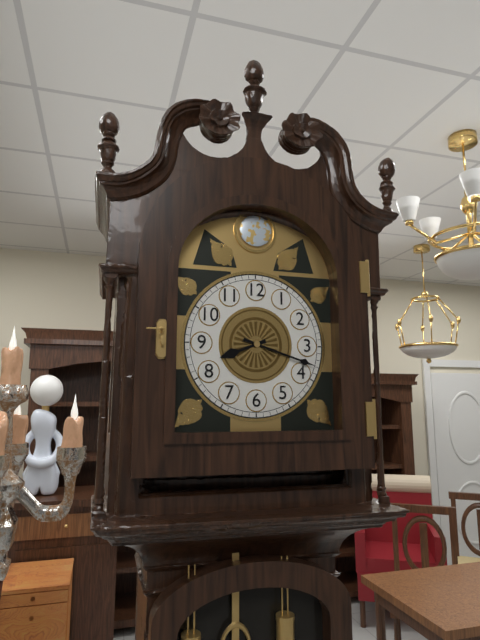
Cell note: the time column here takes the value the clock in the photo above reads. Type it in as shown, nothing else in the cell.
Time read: 8:18
